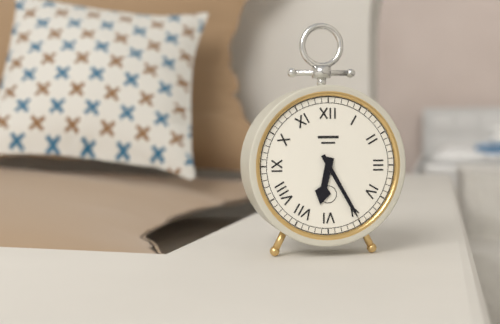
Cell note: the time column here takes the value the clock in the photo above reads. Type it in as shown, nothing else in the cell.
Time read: 6:25
